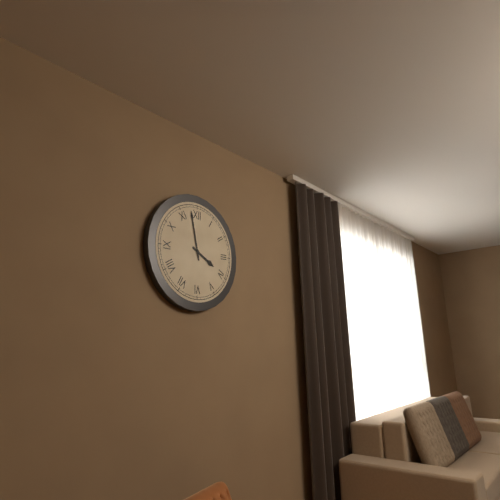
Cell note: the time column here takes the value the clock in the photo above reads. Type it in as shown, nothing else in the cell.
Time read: 3:58
